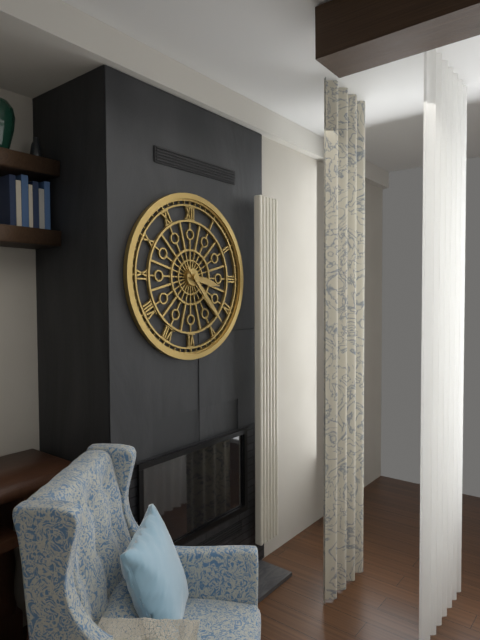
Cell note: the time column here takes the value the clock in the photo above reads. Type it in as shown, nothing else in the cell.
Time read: 3:23
